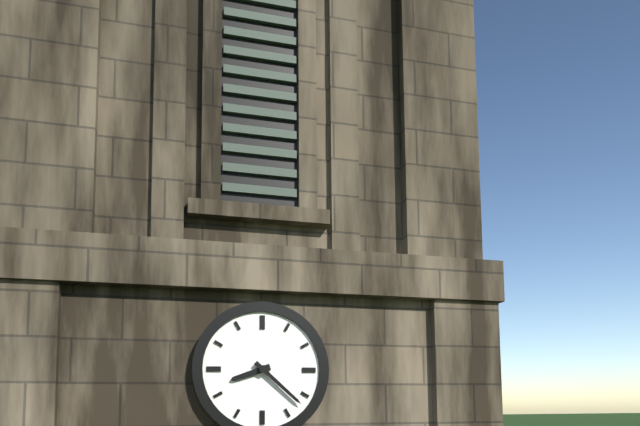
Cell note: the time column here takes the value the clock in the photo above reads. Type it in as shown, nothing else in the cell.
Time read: 8:22
